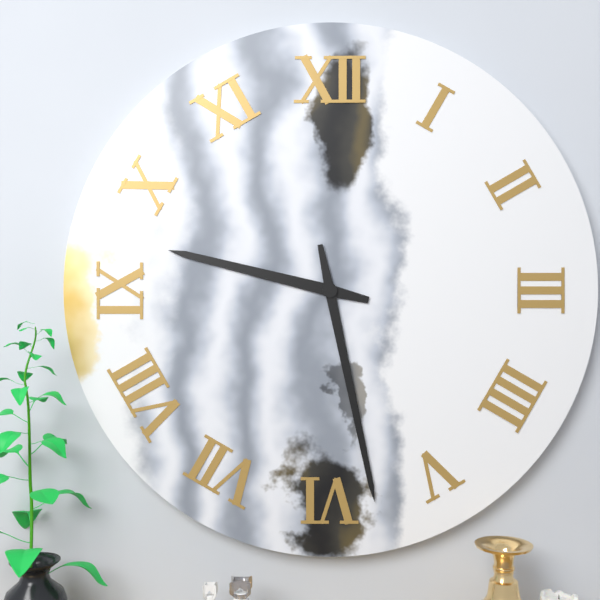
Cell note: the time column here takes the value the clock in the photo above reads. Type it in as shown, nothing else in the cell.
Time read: 9:28
